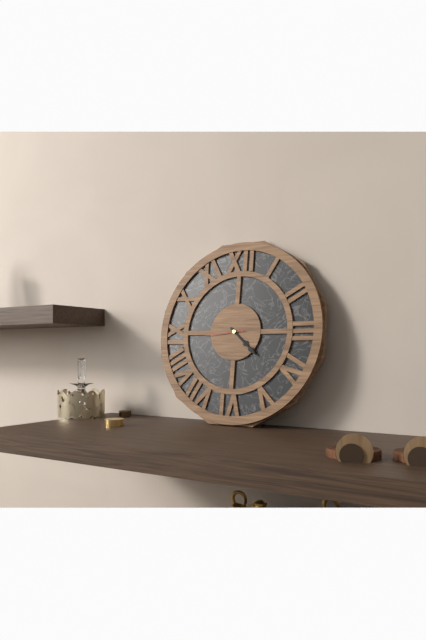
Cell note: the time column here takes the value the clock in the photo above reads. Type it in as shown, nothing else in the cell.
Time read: 4:22
